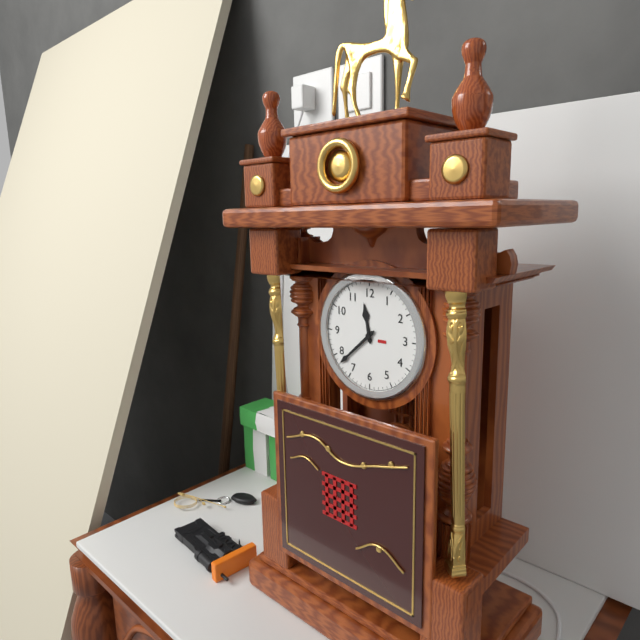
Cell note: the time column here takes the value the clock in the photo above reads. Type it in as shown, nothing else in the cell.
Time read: 11:38
